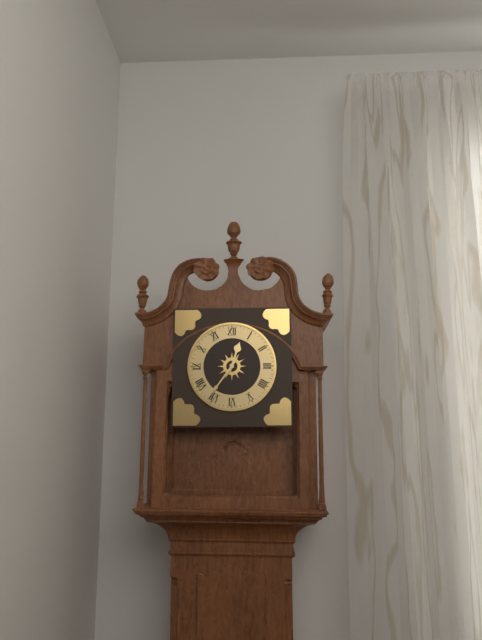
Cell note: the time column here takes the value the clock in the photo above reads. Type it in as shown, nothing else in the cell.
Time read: 12:36
